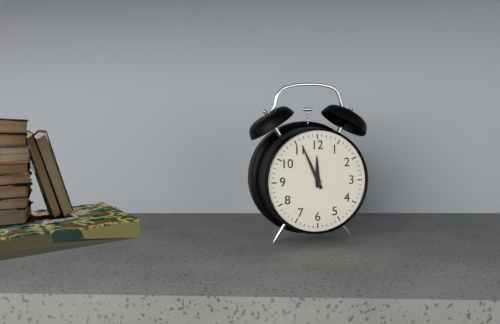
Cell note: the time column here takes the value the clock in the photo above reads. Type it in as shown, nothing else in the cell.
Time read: 11:56
